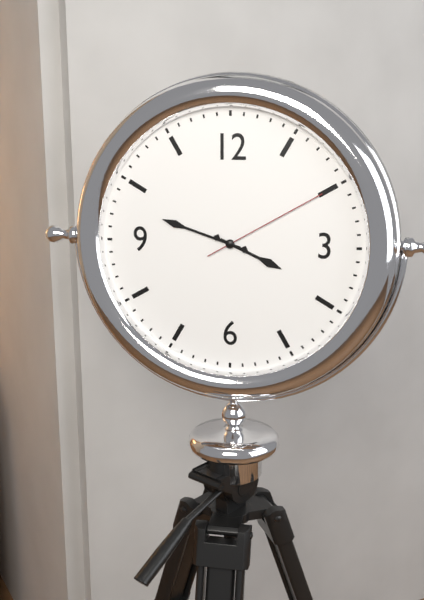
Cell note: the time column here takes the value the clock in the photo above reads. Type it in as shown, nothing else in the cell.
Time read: 3:48:10
